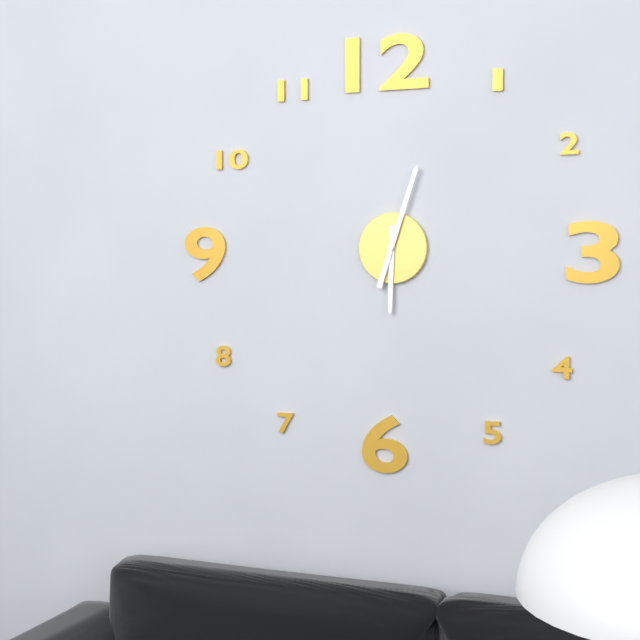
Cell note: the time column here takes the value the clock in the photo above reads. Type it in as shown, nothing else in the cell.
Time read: 6:03
